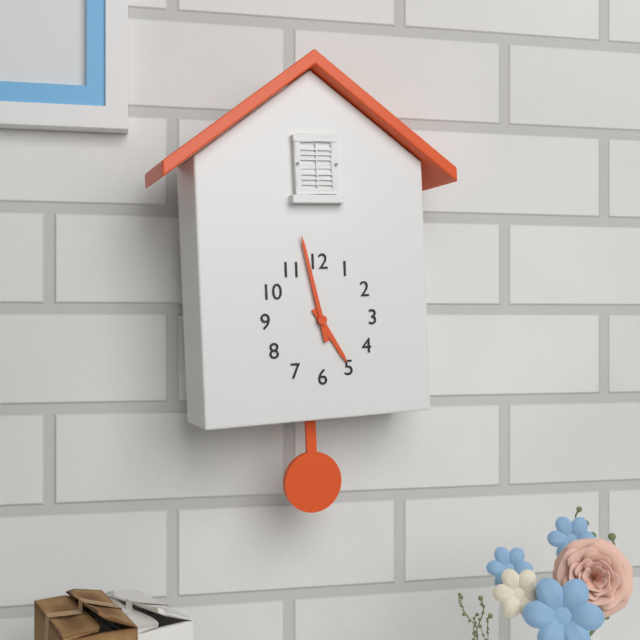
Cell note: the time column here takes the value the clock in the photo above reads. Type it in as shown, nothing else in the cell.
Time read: 4:58
